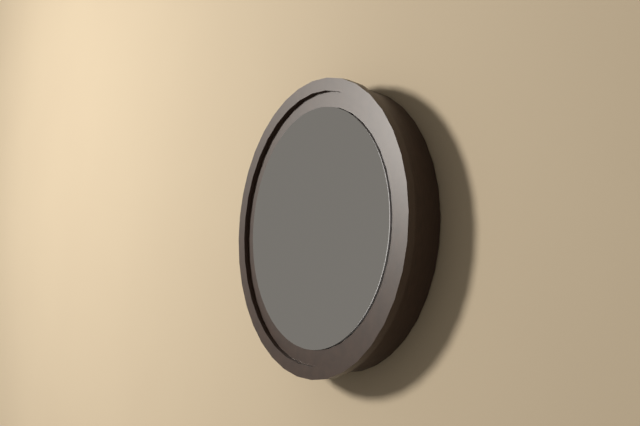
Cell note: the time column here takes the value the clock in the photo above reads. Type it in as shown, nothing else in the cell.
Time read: 4:04
